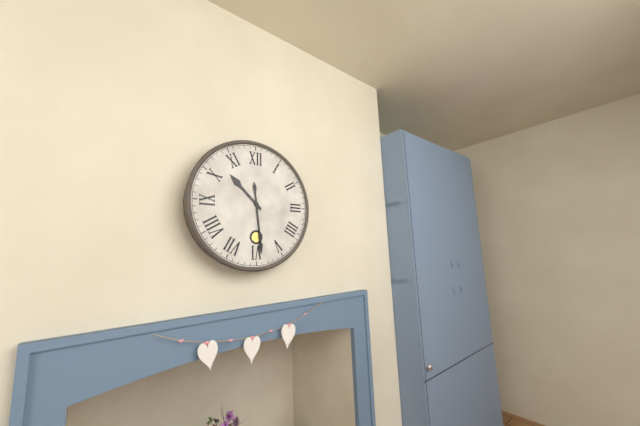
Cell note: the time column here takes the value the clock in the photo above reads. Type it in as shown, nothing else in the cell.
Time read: 10:29
